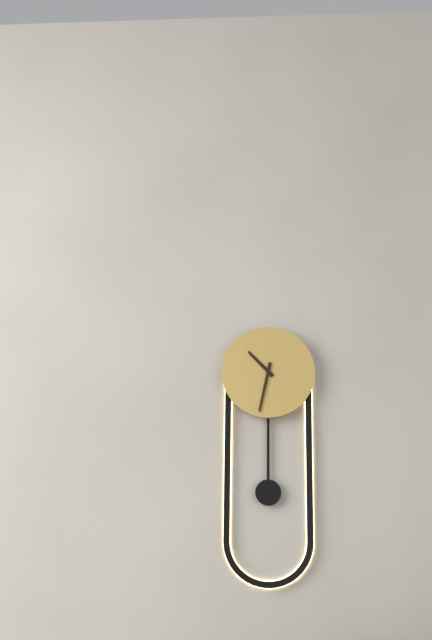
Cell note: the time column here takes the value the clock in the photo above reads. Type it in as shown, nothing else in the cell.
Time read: 10:32
